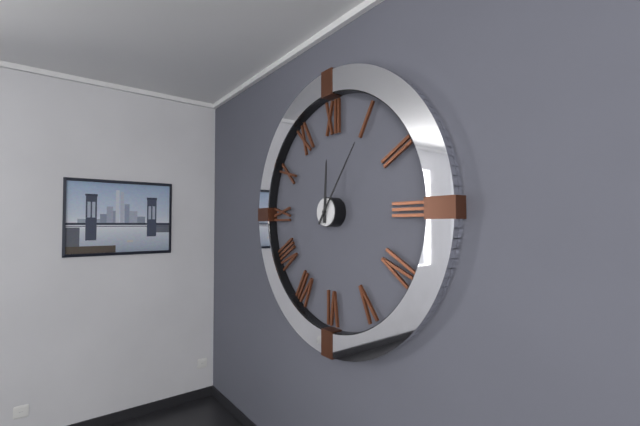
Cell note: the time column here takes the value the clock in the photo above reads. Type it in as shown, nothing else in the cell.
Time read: 12:06
